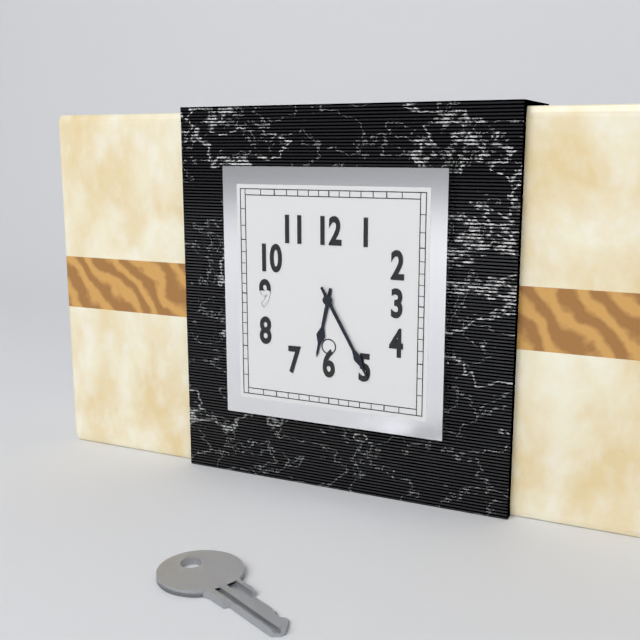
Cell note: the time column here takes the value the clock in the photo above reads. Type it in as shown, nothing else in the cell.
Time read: 6:25
